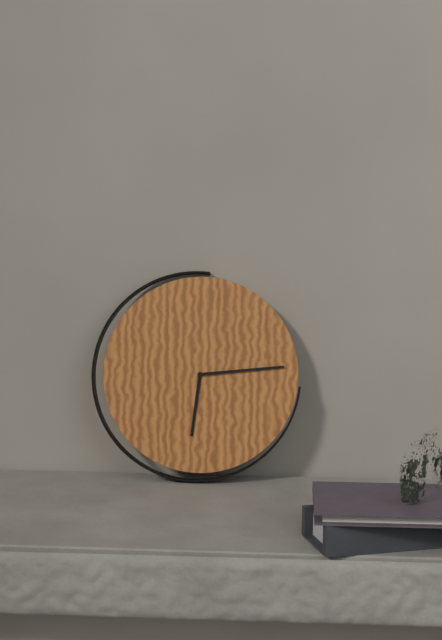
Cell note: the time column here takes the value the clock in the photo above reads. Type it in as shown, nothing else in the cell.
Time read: 6:14
